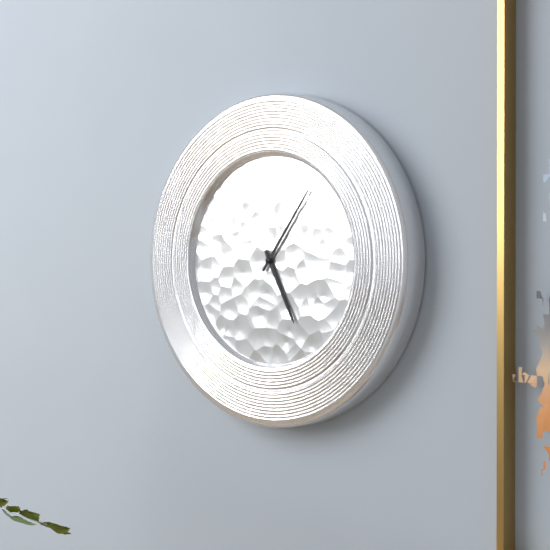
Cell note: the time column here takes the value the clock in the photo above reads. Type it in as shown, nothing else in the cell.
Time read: 5:06
